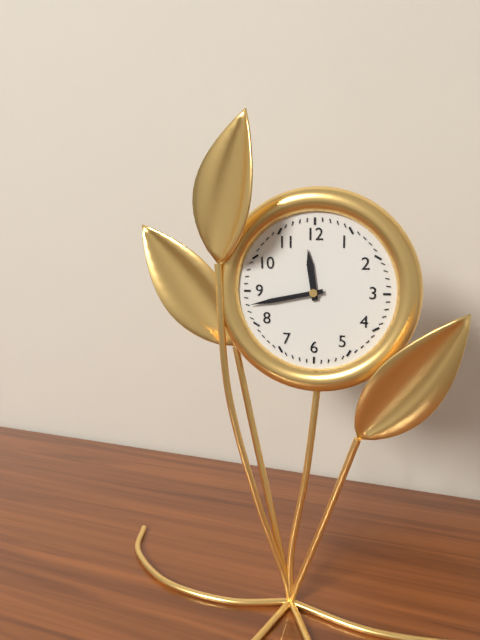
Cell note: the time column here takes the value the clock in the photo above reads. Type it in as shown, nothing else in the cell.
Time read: 11:43
